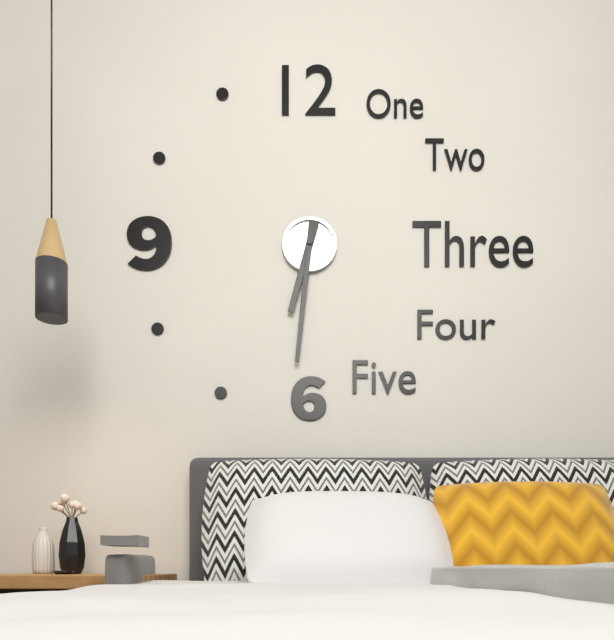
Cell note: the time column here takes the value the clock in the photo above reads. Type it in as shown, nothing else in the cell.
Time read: 6:31
